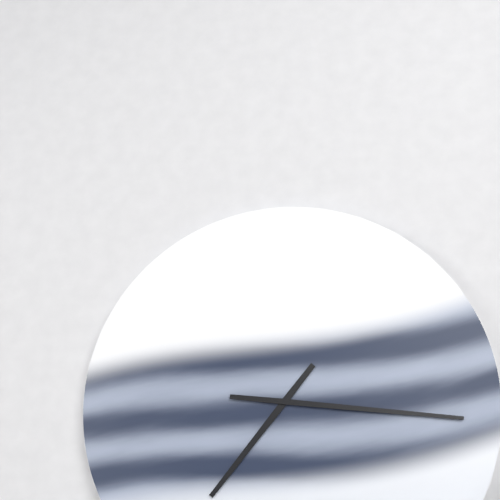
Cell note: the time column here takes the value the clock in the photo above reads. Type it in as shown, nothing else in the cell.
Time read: 7:16
